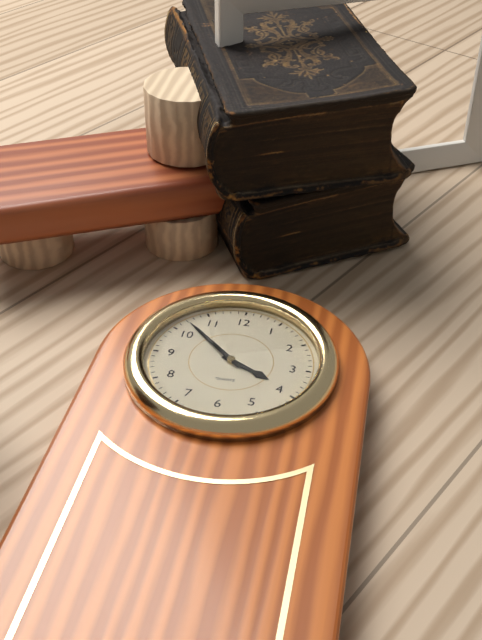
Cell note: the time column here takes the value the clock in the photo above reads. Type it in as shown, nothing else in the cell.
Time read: 3:52
